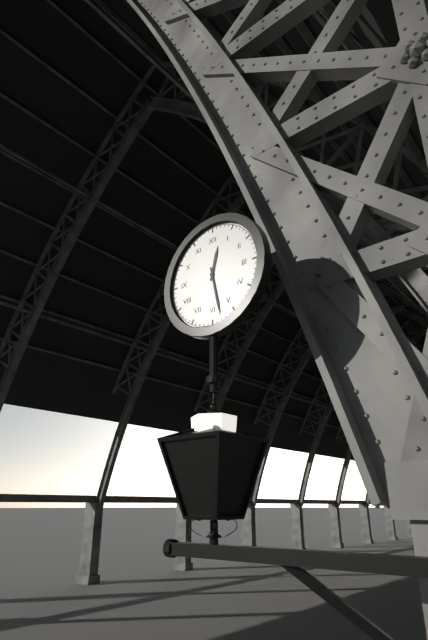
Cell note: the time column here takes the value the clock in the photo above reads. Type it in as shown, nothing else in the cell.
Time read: 12:28
